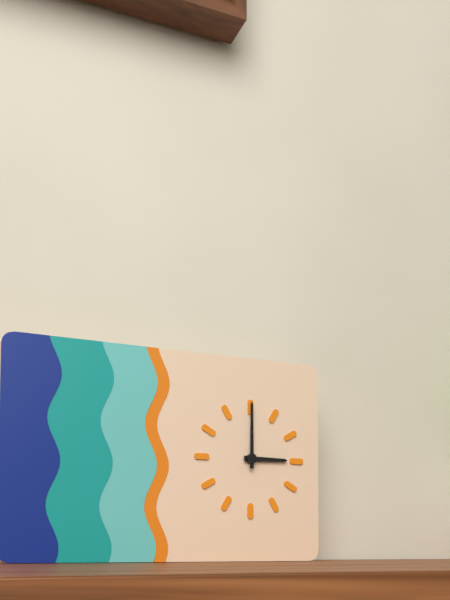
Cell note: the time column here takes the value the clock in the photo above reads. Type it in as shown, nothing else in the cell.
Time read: 3:00
